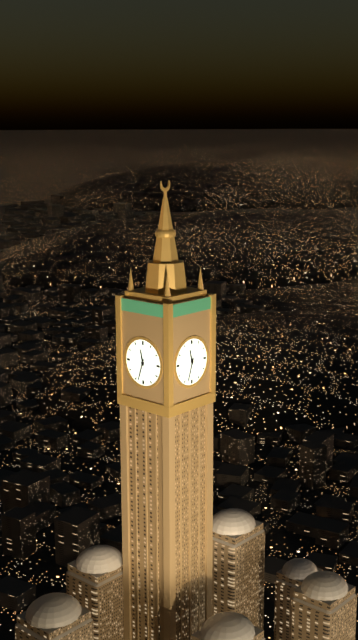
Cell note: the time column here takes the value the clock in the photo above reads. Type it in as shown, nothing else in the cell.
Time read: 11:33
